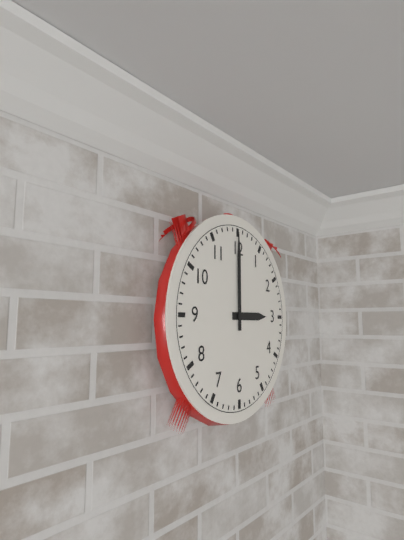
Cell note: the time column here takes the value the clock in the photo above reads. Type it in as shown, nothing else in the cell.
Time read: 3:00
